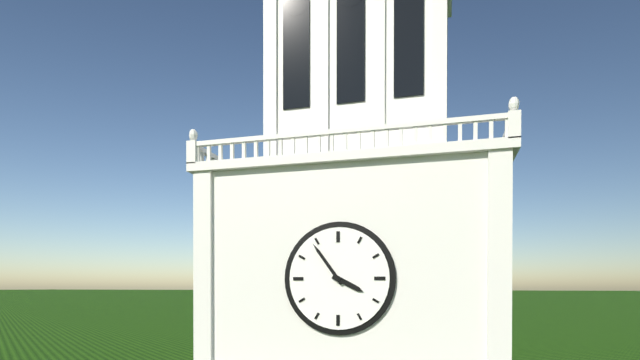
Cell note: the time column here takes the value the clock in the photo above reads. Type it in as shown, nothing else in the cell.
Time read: 3:54
